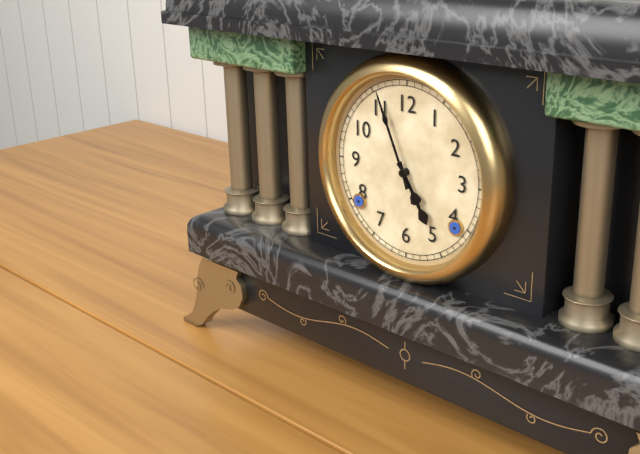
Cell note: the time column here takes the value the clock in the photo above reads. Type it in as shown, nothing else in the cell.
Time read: 4:56
